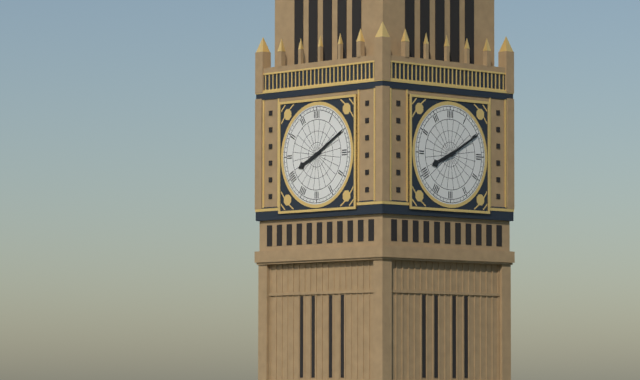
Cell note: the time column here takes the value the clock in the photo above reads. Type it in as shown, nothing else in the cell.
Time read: 8:10
